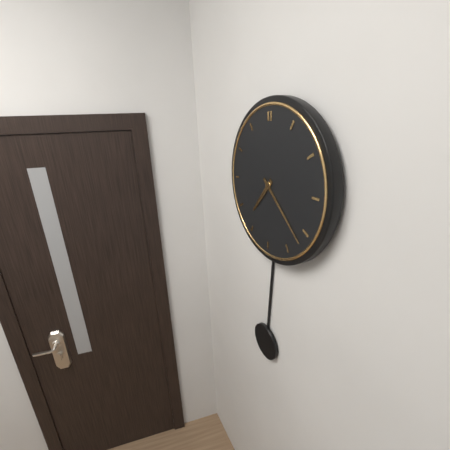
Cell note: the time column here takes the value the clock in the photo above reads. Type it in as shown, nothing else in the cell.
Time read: 7:22
